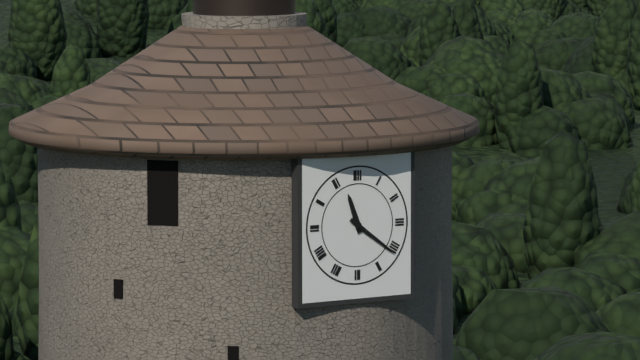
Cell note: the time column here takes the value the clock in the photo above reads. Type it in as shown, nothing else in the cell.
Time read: 11:21
